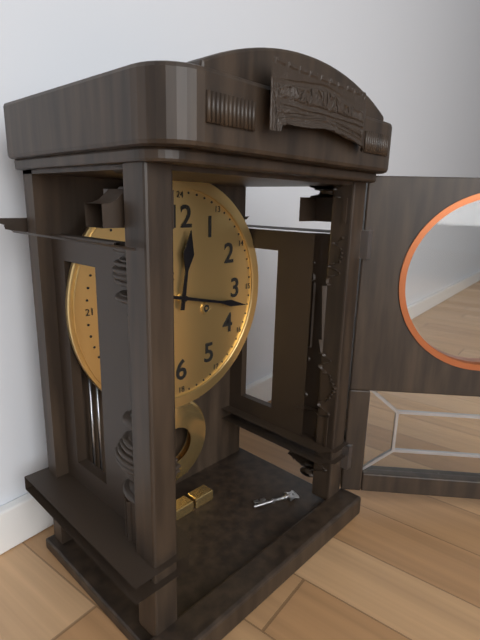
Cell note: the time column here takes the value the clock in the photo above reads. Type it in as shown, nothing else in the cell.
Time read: 12:17
